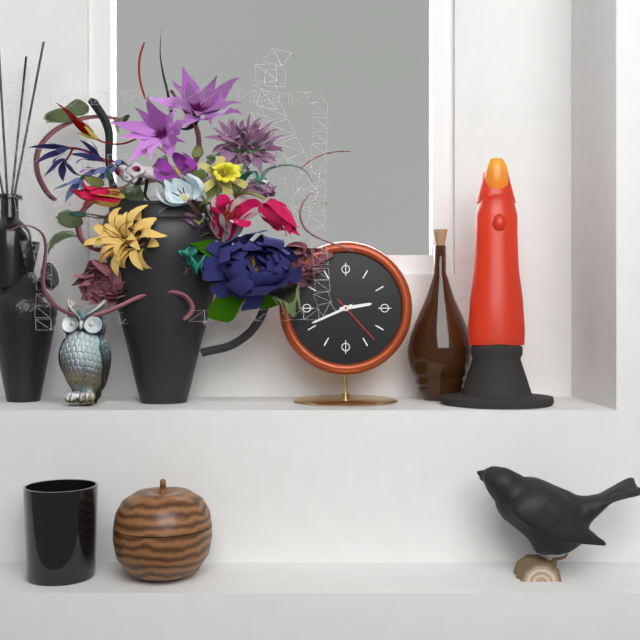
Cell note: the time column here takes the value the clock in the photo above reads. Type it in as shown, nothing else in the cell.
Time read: 2:41:23
